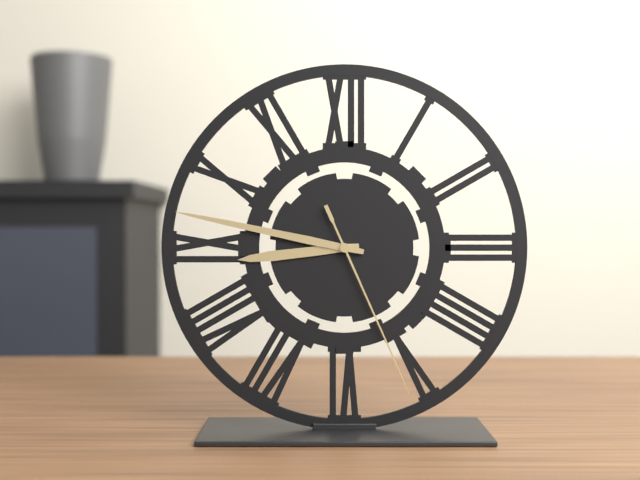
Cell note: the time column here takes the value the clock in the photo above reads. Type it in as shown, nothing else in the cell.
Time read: 8:47:26
